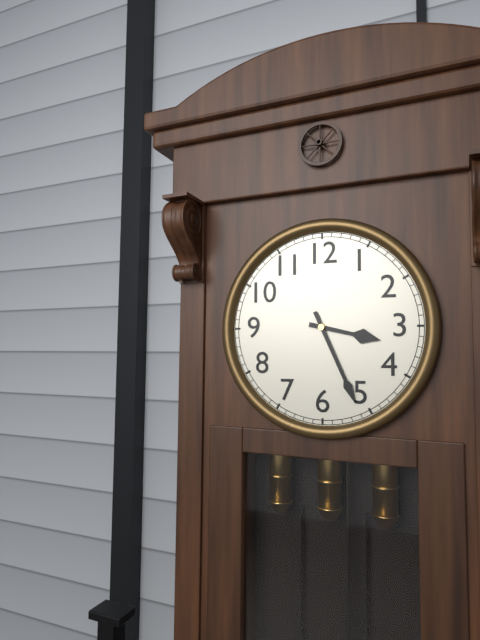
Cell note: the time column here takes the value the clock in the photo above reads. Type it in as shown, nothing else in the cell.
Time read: 3:26
